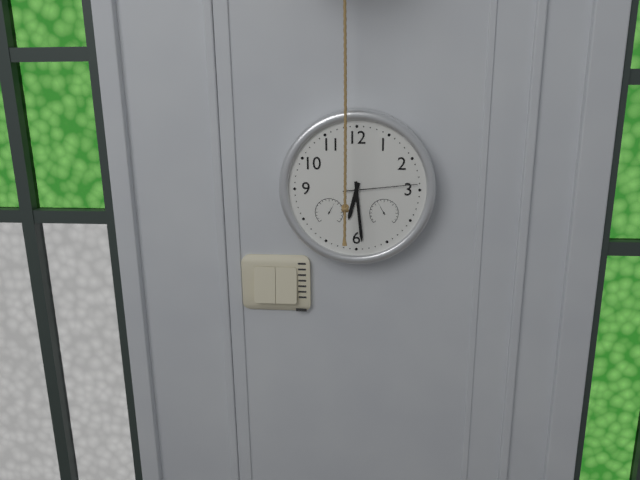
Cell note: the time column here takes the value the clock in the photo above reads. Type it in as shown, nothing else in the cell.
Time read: 6:29:14
